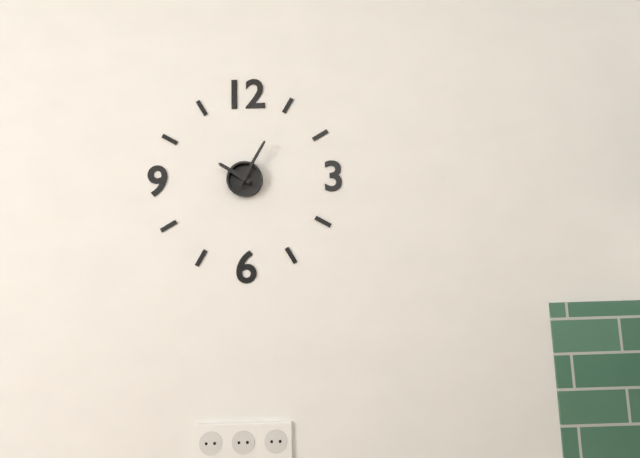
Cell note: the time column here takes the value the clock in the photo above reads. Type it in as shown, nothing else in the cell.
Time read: 10:05
